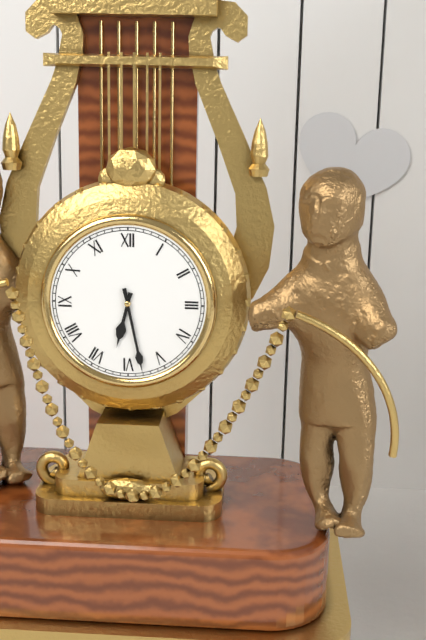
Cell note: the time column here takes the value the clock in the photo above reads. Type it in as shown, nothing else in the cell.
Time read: 6:28
